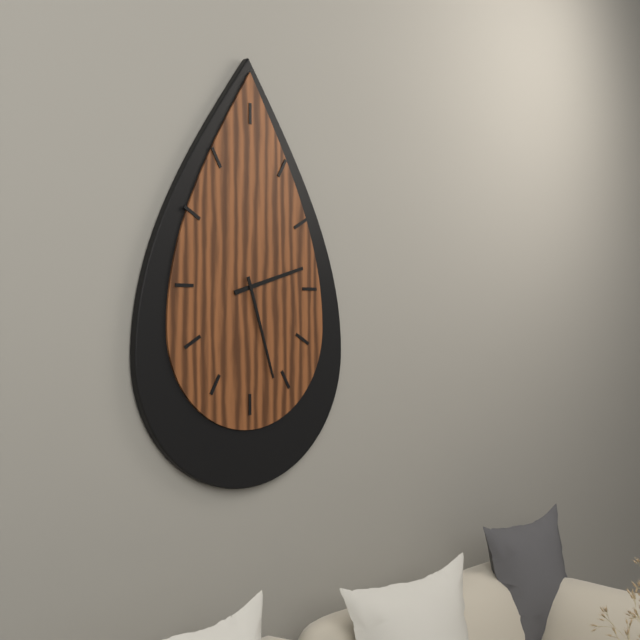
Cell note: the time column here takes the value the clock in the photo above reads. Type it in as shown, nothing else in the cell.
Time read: 2:27
